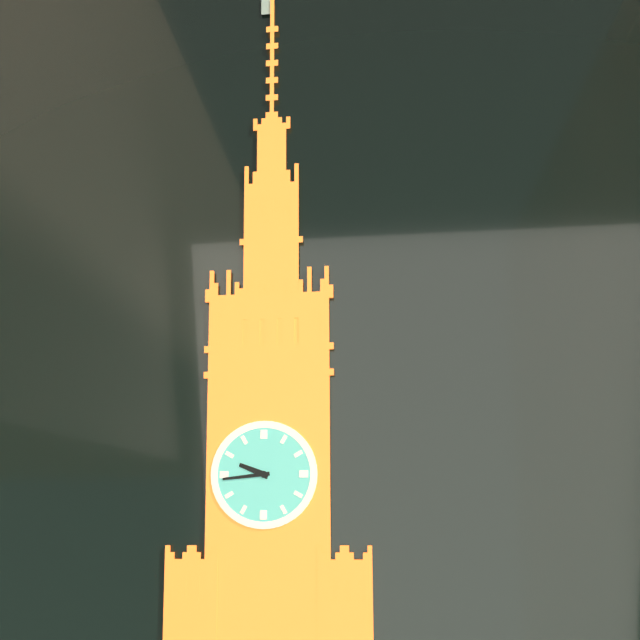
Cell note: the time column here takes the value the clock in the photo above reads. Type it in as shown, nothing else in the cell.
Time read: 9:44
